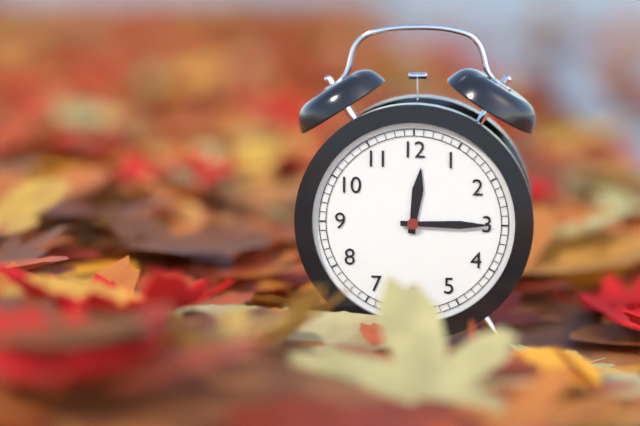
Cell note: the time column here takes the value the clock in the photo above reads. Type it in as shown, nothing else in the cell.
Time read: 12:15
